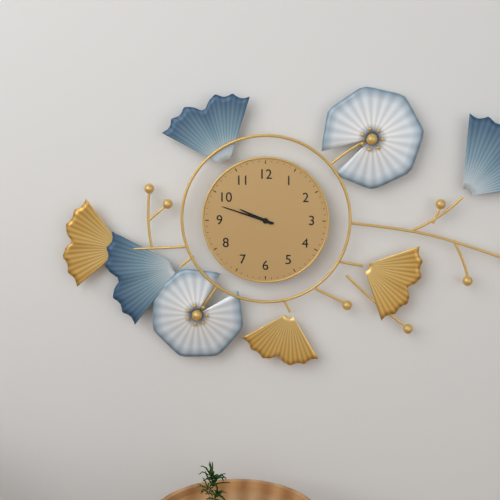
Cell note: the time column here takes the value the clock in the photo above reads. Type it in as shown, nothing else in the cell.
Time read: 9:48
